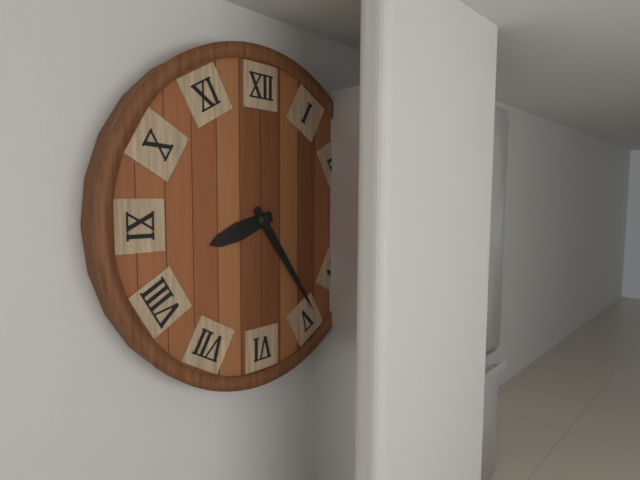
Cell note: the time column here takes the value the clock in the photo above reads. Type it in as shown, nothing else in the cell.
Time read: 8:24
